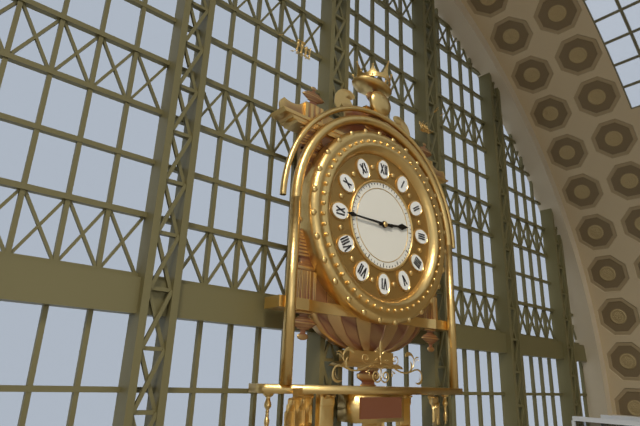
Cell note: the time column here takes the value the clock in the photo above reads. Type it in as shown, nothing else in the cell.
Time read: 2:45
